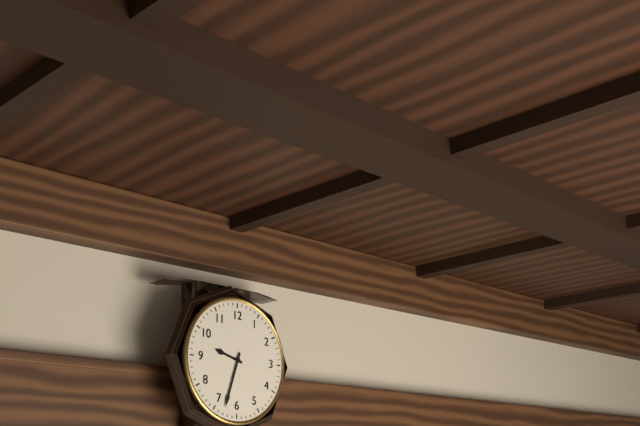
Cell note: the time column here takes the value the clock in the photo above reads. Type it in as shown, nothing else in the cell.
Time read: 9:33
